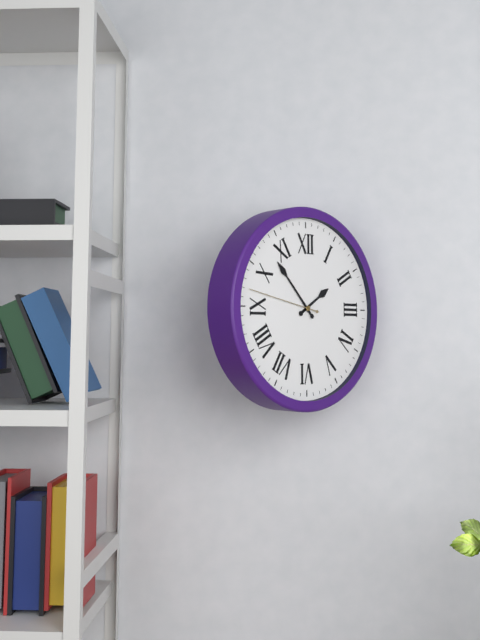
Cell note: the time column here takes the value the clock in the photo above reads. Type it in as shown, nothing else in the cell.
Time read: 1:53:47
